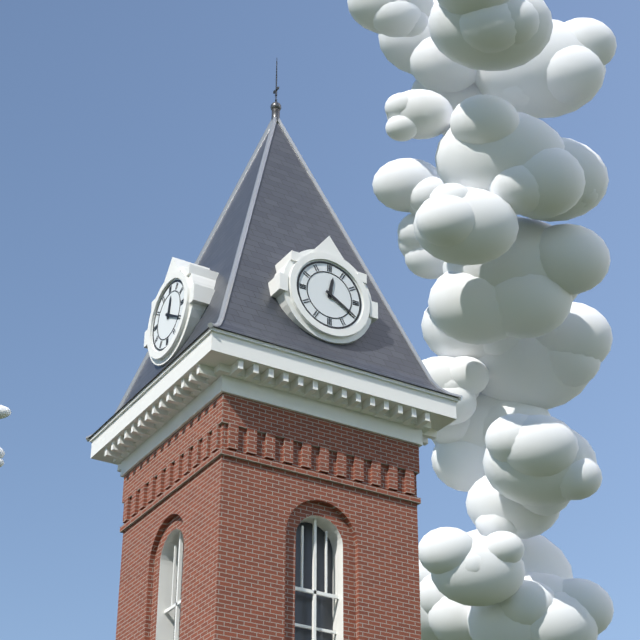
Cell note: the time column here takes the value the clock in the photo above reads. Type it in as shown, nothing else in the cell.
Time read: 12:20
